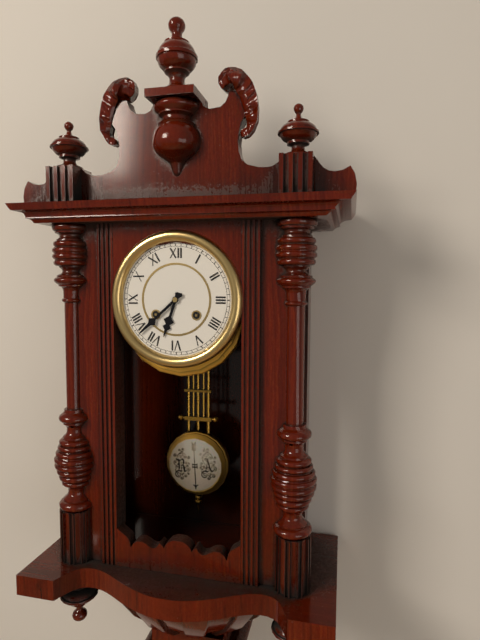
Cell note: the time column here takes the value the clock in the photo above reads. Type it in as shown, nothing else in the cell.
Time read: 6:38
